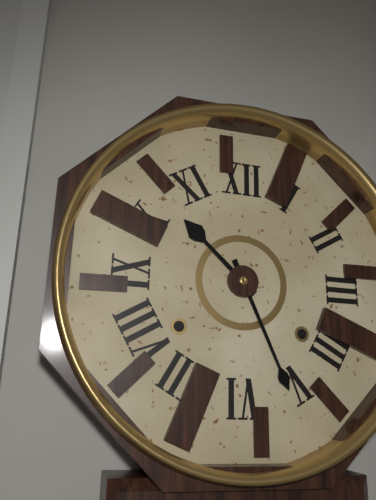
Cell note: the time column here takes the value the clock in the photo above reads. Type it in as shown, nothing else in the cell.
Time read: 10:26
